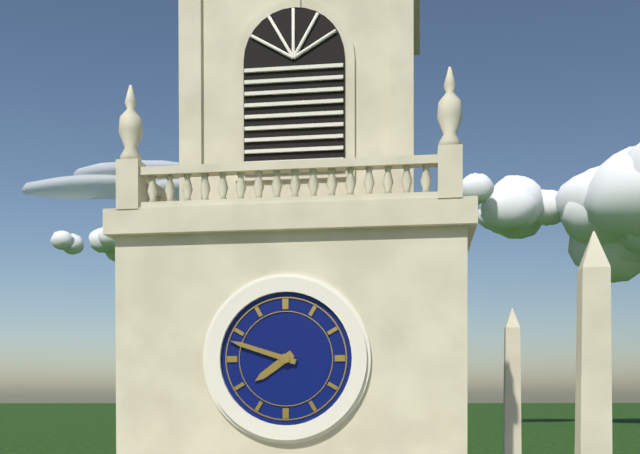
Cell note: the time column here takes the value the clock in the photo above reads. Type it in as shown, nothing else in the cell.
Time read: 7:48
